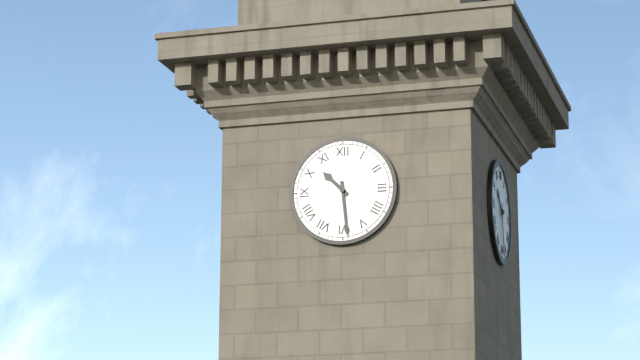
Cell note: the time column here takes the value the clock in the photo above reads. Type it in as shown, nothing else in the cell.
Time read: 10:29
